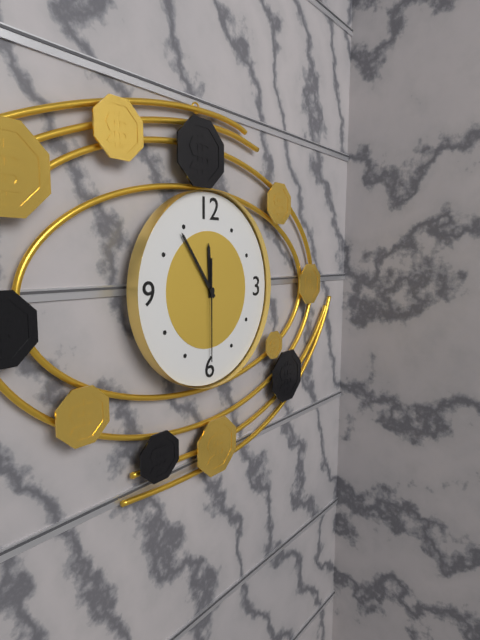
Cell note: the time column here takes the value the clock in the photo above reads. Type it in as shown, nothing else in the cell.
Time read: 11:54:30
